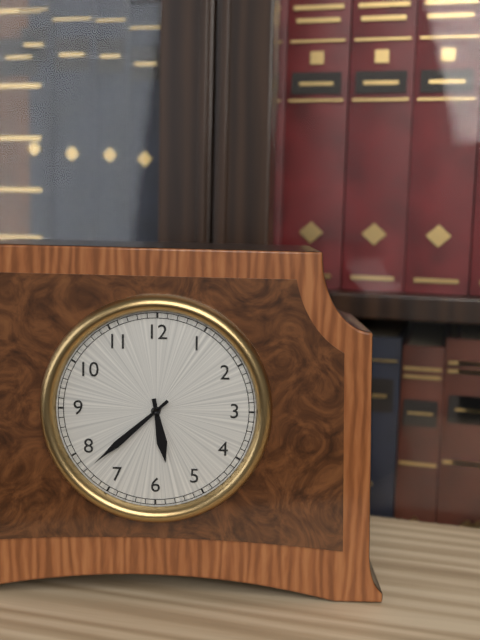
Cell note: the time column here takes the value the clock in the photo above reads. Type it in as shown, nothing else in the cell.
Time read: 5:38
